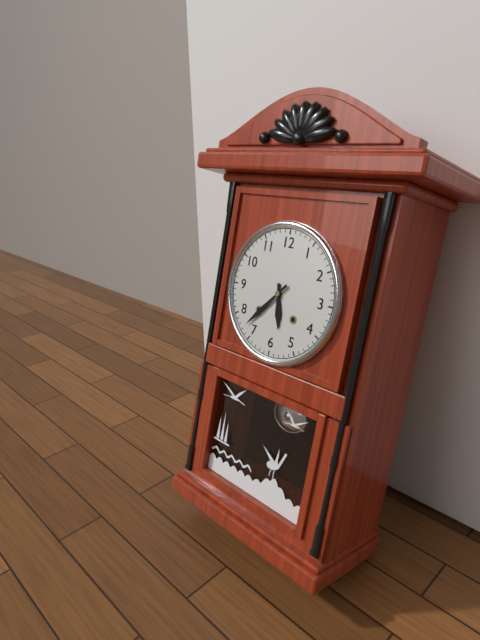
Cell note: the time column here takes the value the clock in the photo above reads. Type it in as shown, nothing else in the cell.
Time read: 5:37
